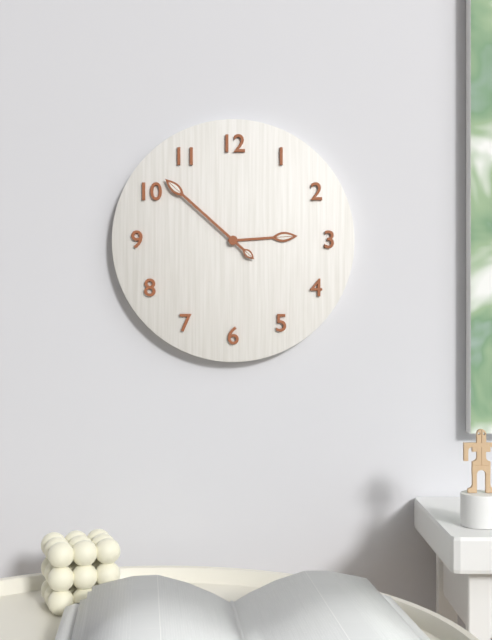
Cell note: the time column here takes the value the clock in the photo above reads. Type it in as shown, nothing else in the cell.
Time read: 2:52
